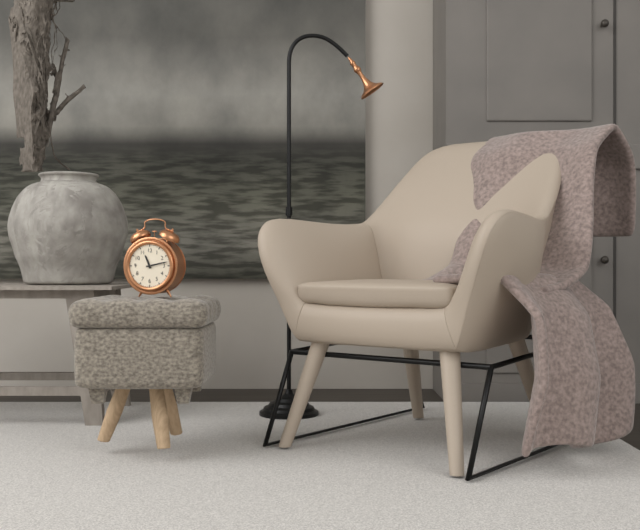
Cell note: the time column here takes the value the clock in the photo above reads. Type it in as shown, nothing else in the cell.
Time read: 11:13
